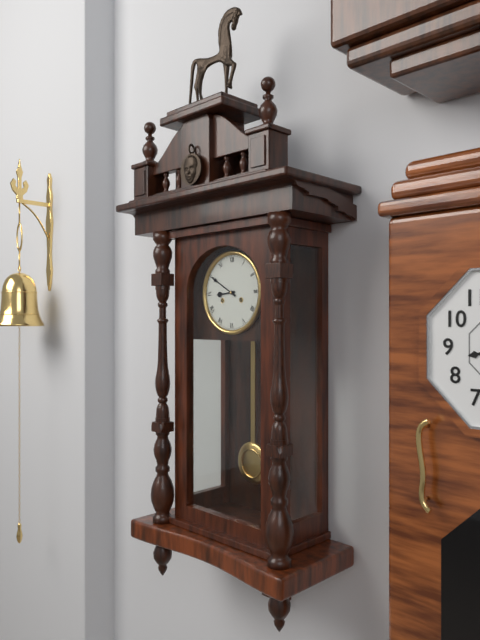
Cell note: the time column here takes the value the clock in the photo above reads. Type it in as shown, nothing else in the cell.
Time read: 8:50
